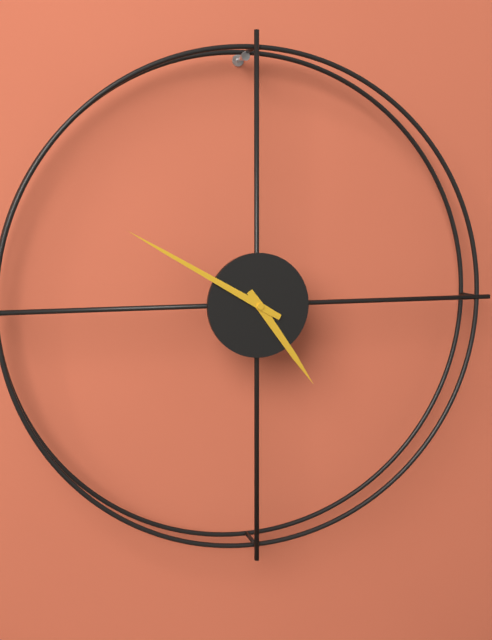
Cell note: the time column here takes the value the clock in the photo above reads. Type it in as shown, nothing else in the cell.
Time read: 4:50
